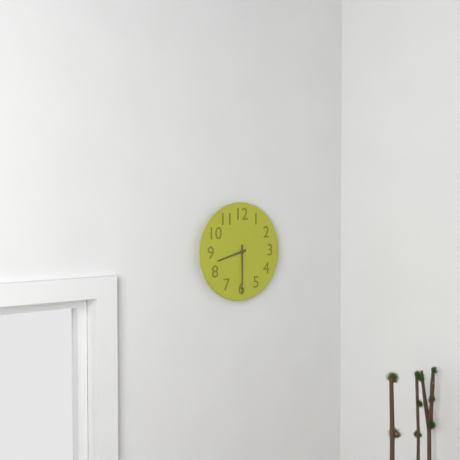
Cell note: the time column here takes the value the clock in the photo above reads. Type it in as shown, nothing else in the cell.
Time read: 8:30
